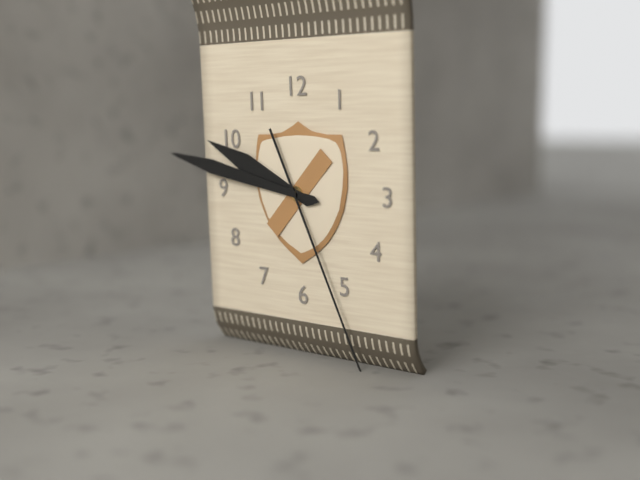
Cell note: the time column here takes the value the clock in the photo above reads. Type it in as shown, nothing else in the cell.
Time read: 9:47:26
